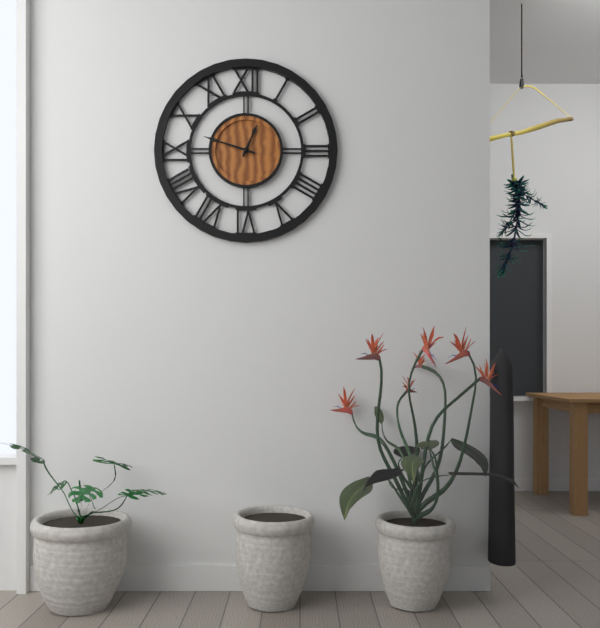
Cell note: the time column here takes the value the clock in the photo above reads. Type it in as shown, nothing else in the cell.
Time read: 12:48
